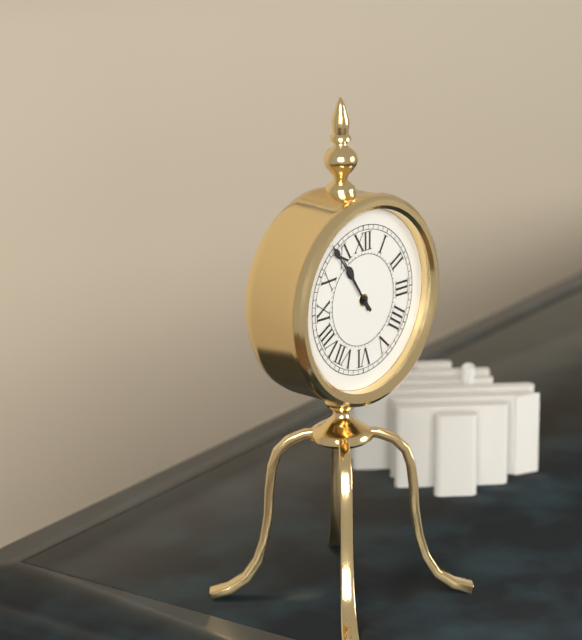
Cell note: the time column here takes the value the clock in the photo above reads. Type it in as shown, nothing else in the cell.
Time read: 10:54
